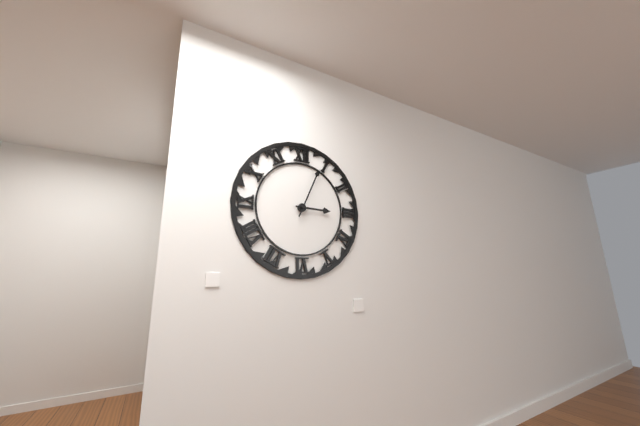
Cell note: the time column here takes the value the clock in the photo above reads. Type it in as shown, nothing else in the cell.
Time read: 3:04
